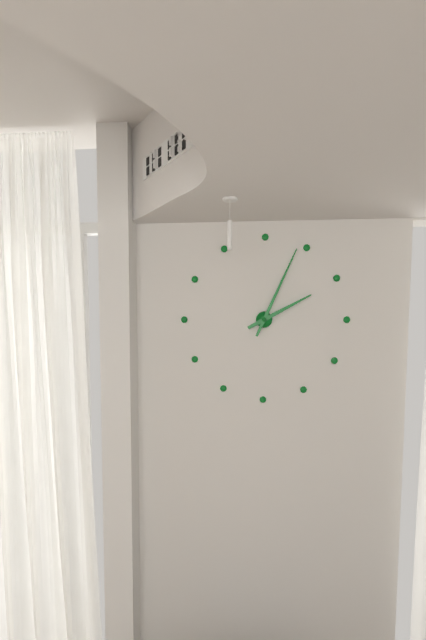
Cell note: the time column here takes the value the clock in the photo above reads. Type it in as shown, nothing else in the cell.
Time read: 2:04
